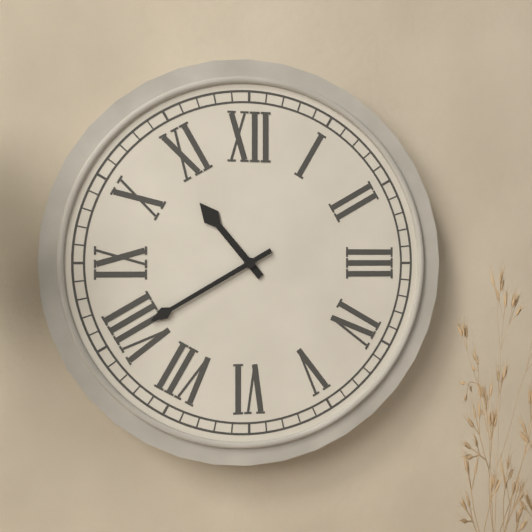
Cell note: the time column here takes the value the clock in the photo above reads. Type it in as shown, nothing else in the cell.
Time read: 10:40
